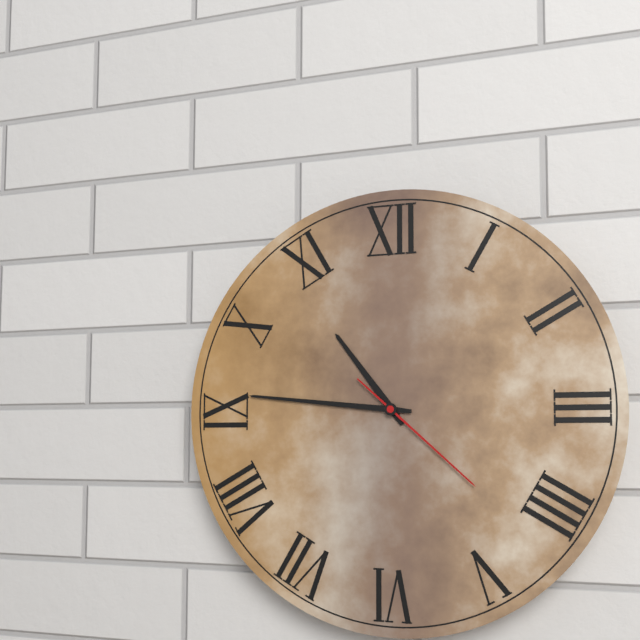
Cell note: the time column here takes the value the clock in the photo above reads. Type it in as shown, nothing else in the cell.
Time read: 10:46:22
